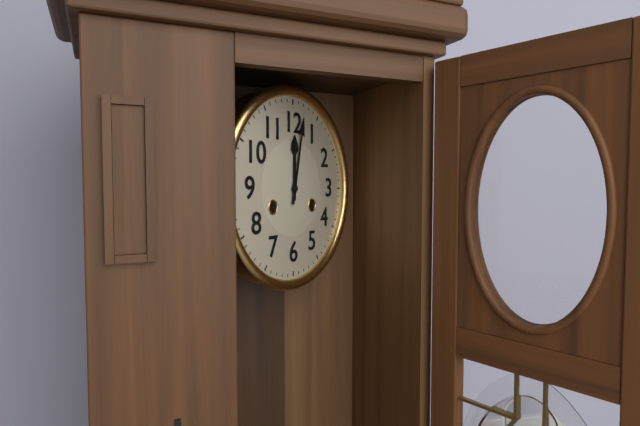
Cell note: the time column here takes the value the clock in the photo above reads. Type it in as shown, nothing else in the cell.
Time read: 12:02
